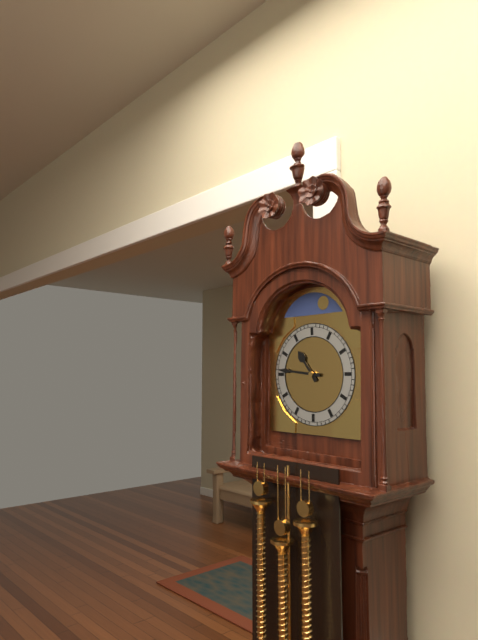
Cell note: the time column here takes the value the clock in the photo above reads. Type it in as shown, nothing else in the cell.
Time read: 10:46
